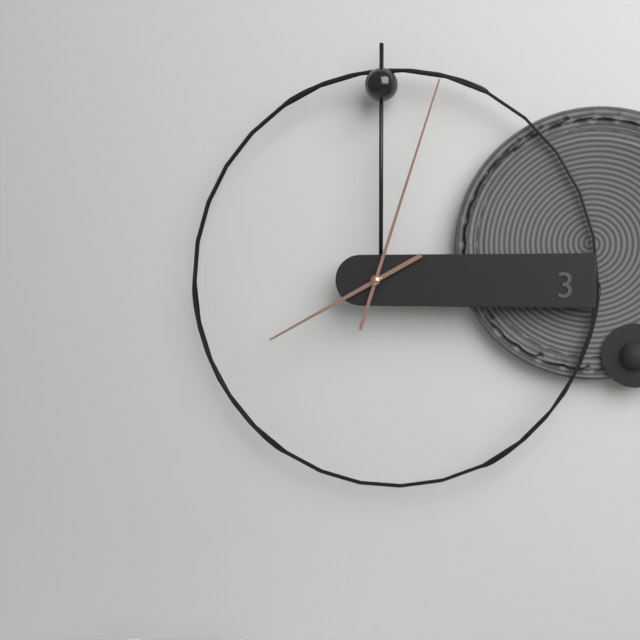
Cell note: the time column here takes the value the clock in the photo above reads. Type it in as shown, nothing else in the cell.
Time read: 8:03
